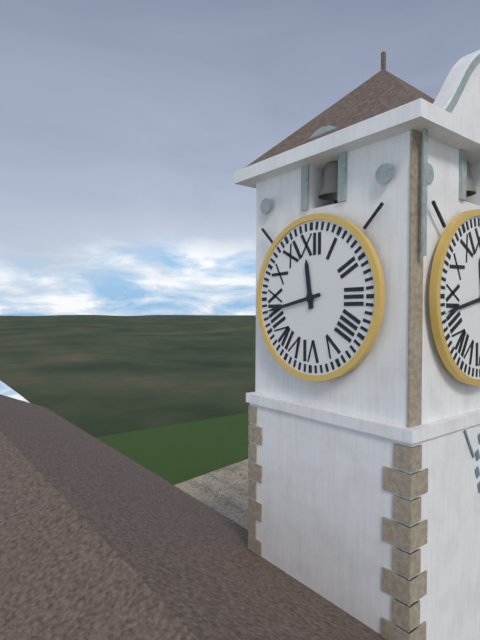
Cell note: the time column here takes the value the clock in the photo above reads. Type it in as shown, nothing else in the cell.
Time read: 11:43
